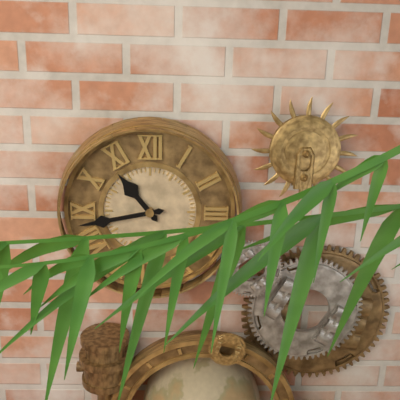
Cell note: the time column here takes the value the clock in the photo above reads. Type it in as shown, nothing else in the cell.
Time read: 10:43
